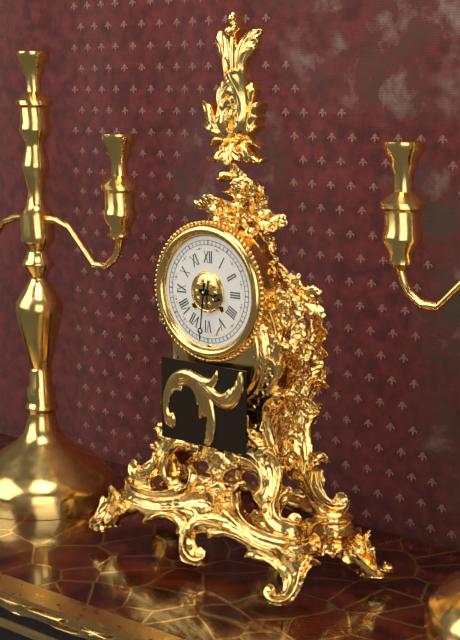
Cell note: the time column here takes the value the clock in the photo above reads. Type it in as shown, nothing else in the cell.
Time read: 3:31
